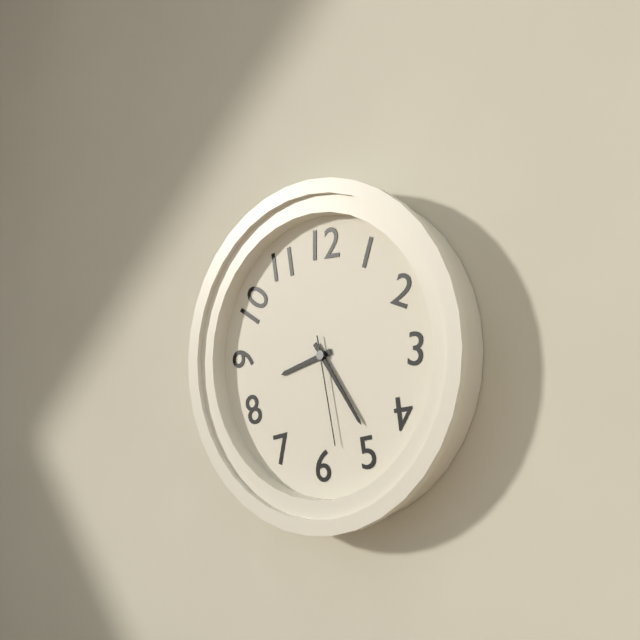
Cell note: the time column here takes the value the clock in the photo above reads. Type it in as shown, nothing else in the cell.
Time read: 8:24:28
